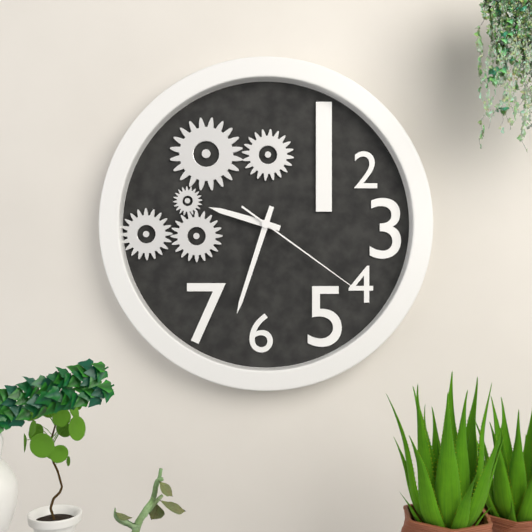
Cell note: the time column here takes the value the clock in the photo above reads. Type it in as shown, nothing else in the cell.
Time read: 9:33:21
